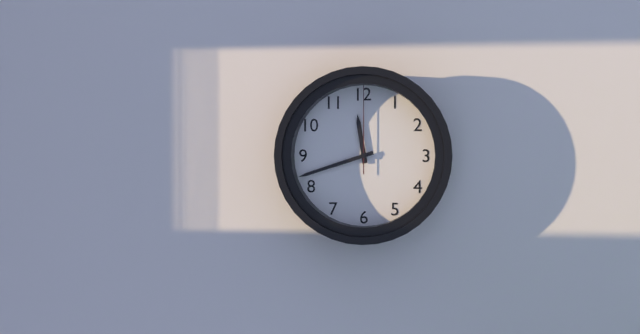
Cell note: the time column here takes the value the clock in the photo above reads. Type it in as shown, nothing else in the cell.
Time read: 11:42:00
